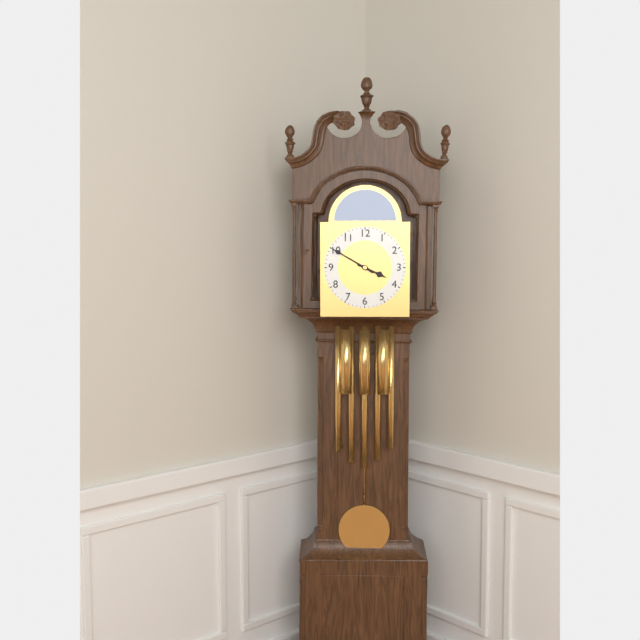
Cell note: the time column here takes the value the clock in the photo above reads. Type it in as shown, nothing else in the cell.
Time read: 3:50
